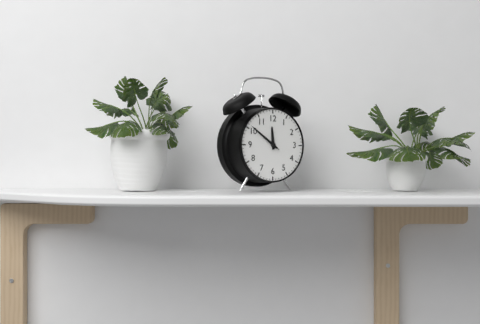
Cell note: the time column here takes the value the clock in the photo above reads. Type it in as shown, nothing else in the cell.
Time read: 11:51
